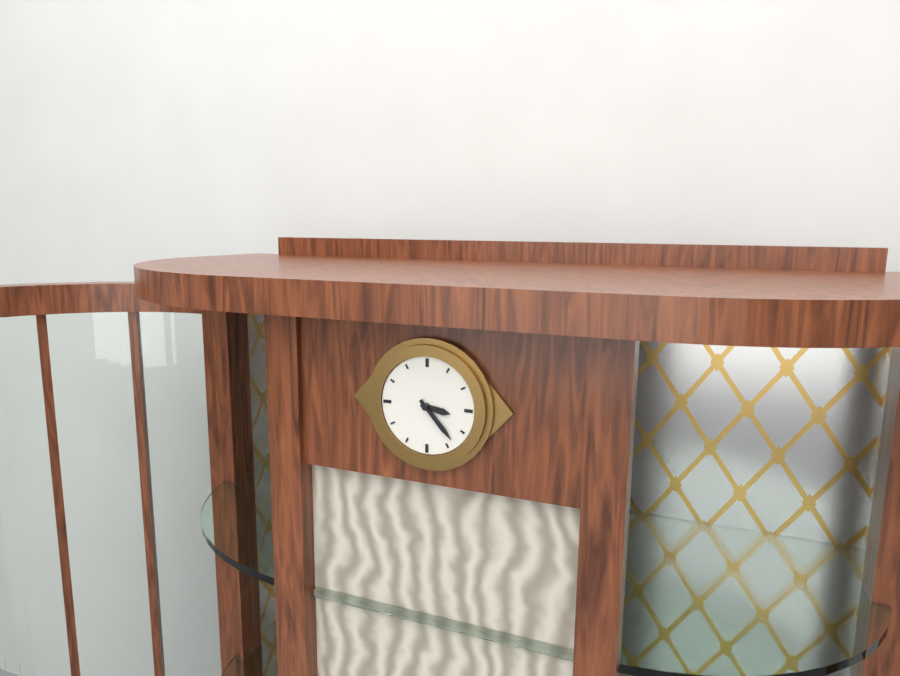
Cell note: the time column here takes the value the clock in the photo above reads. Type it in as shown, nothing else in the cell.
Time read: 3:23
